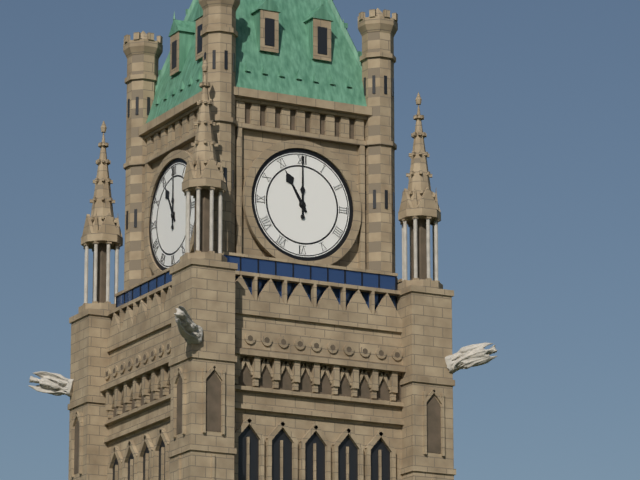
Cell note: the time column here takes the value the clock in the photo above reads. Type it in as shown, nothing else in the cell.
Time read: 11:00
